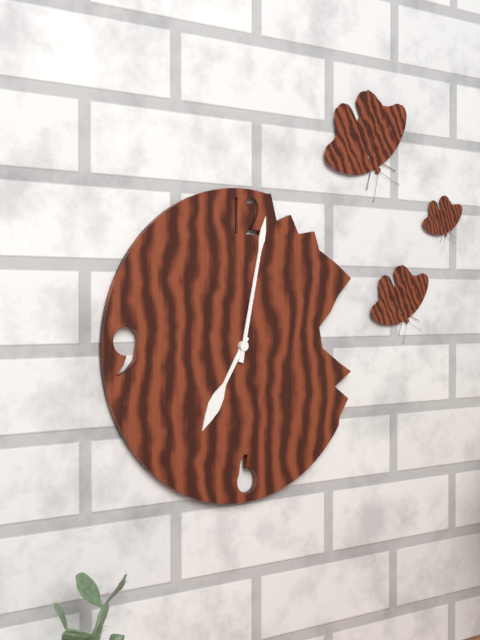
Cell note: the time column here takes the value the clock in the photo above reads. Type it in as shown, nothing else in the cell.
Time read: 7:02
